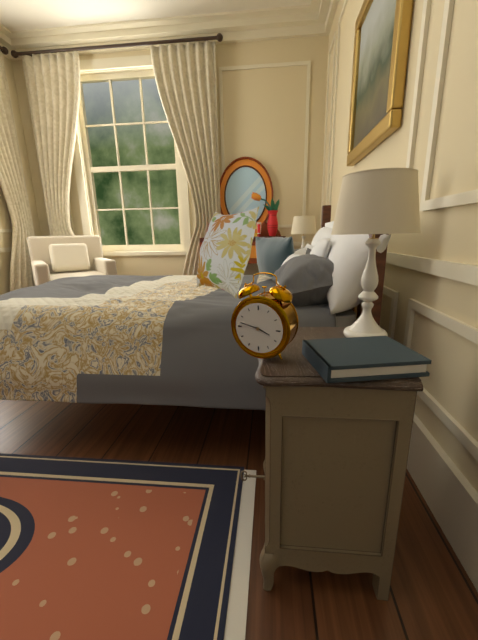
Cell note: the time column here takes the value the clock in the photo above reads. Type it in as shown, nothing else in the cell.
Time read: 3:47
